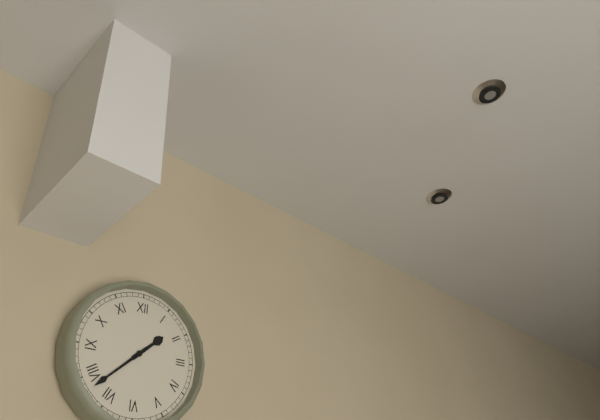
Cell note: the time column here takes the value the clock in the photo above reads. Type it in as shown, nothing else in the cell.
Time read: 1:38
